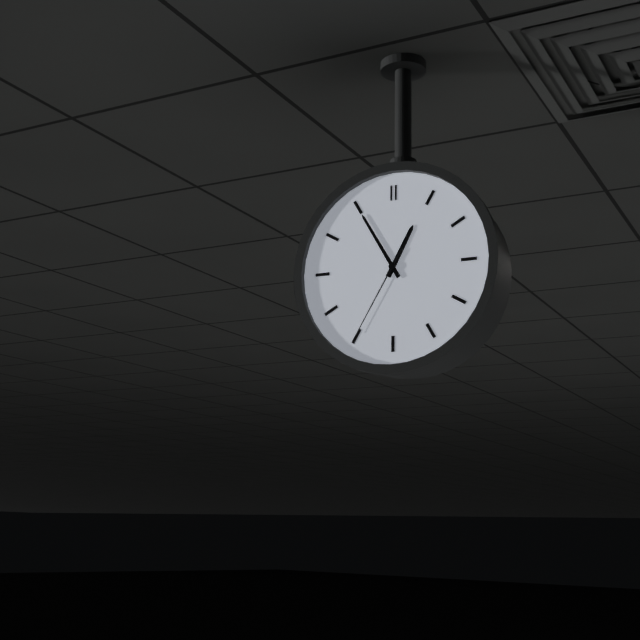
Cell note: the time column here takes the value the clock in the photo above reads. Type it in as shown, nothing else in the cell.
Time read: 12:55:35
